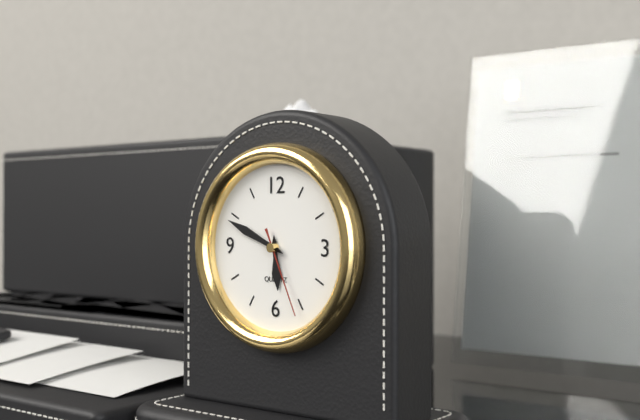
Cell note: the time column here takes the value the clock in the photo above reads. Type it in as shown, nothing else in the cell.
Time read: 5:49:26
